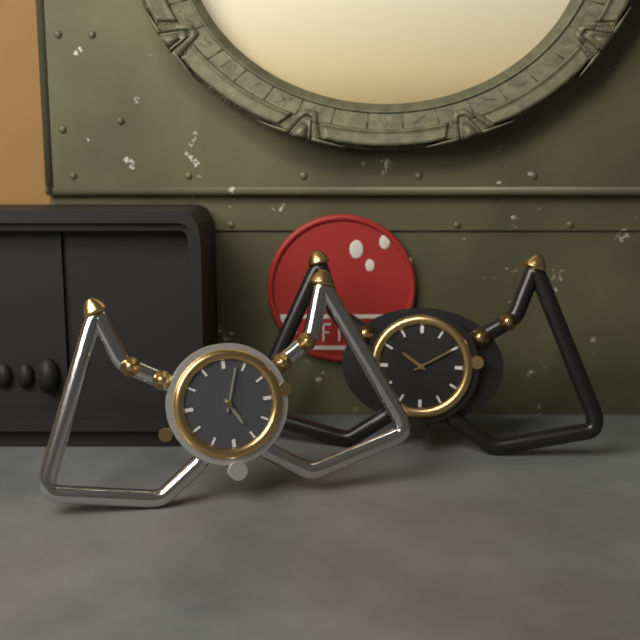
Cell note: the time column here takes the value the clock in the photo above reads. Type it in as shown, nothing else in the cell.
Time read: 5:03
